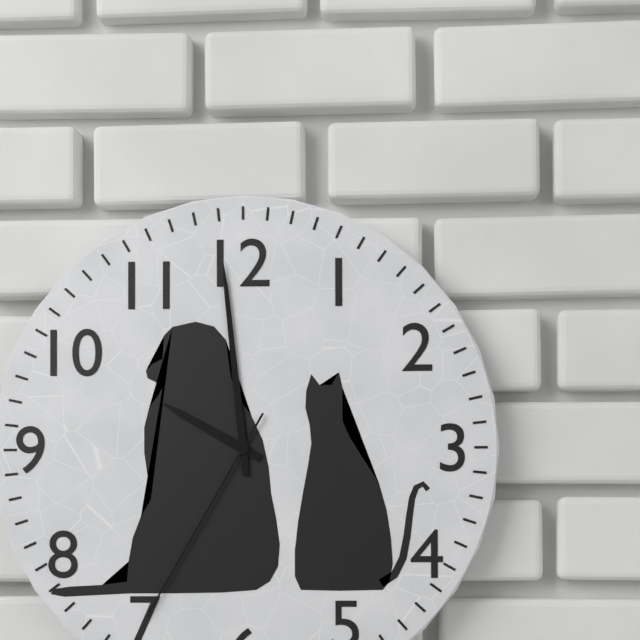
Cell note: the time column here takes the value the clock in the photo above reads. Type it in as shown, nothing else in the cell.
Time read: 9:59:35
